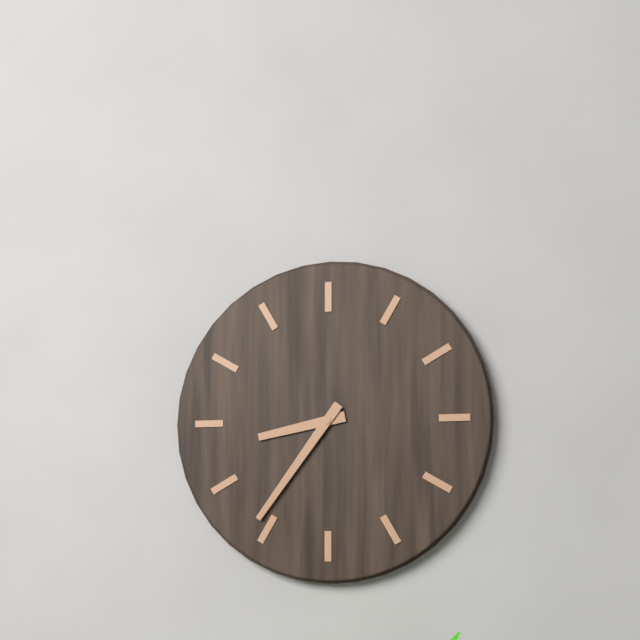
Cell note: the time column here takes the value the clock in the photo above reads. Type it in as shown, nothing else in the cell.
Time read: 8:36
